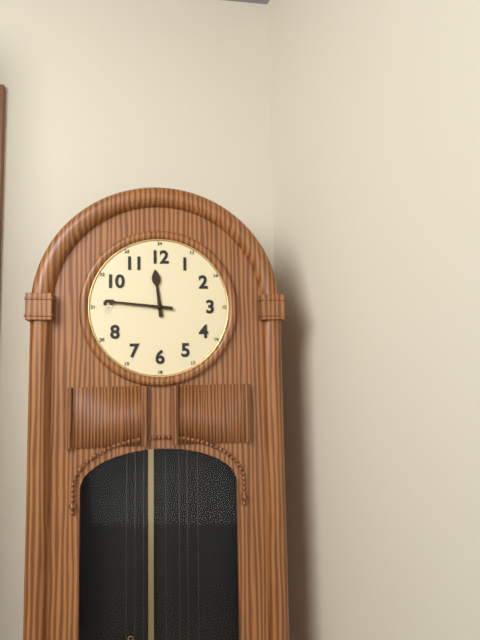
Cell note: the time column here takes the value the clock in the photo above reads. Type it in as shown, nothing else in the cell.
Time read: 11:46
